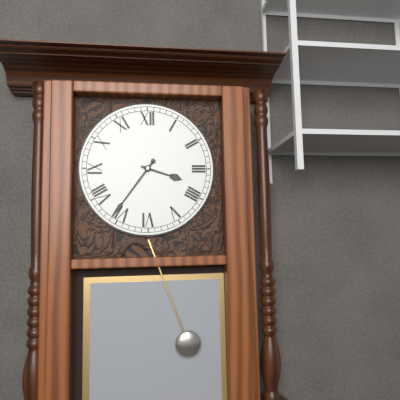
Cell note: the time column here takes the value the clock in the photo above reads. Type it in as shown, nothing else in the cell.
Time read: 3:36
